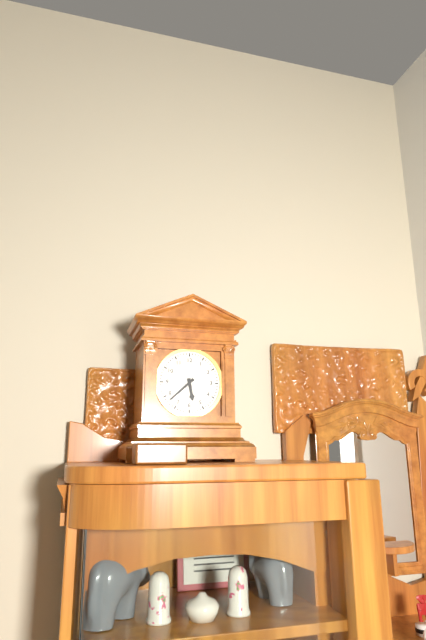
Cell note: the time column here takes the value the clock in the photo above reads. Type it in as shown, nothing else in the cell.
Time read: 5:38
